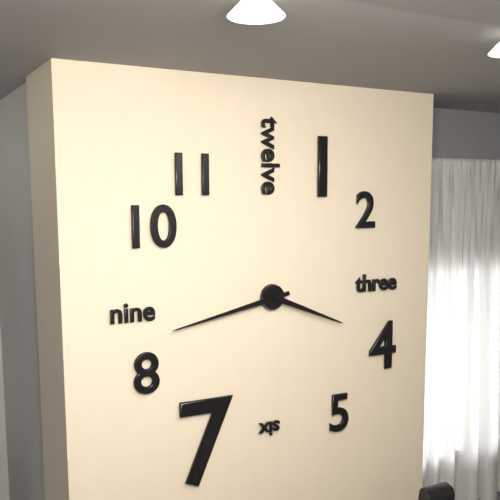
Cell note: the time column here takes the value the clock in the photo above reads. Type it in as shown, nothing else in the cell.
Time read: 3:43
